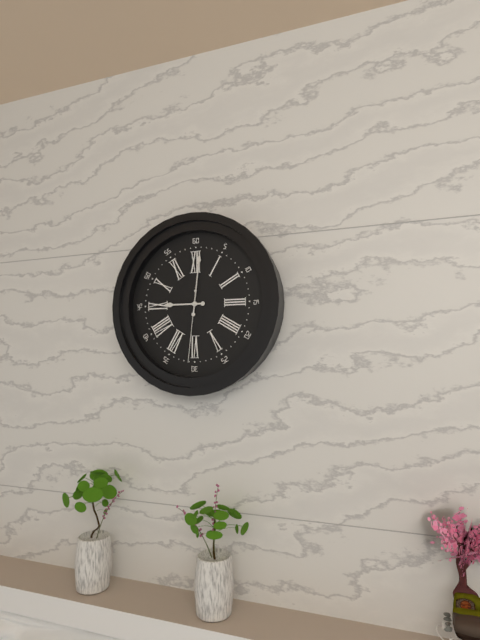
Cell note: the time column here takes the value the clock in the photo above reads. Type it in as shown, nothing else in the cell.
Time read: 9:01:31
